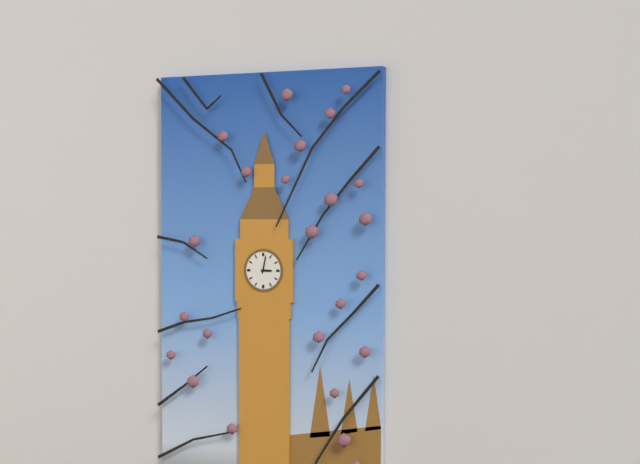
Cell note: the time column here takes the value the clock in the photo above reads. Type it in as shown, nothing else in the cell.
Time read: 3:02
